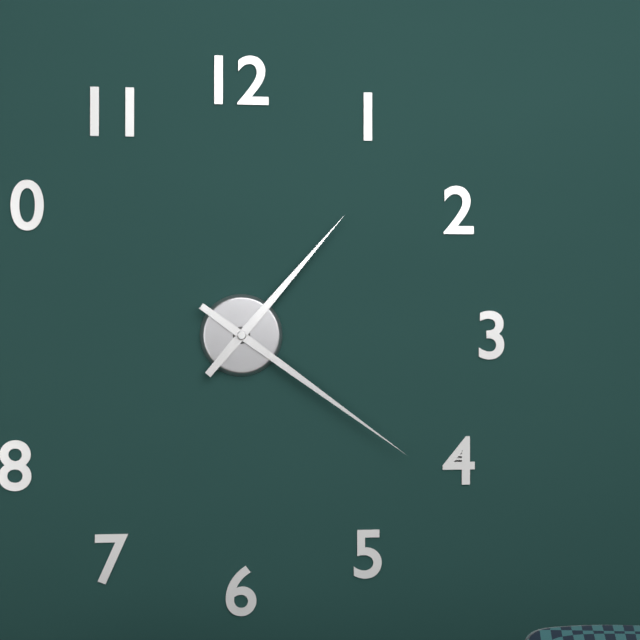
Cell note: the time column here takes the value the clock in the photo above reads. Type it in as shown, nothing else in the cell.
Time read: 1:21
